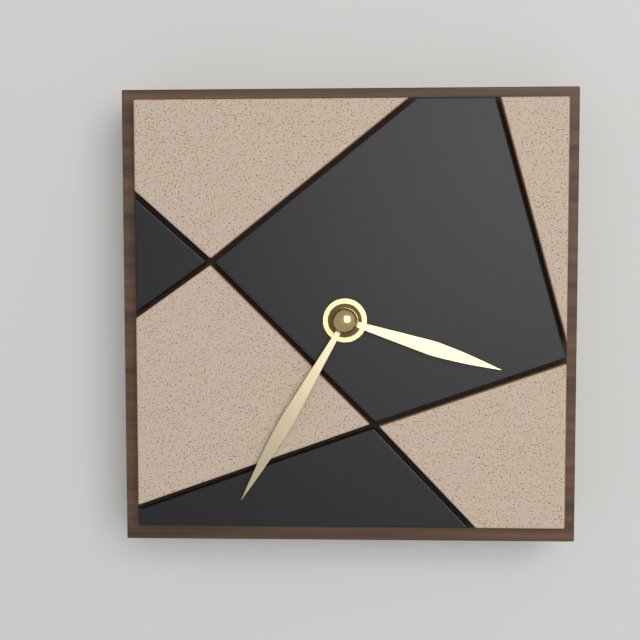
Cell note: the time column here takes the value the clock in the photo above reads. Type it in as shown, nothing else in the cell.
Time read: 3:35
